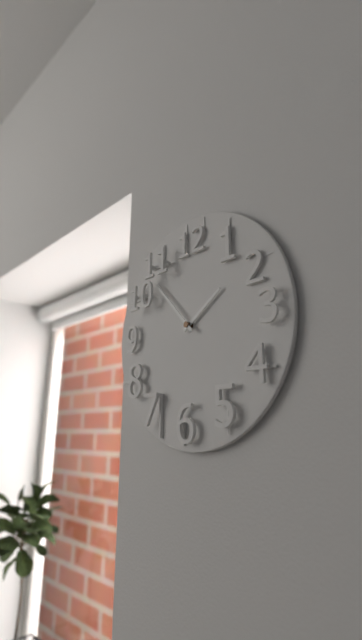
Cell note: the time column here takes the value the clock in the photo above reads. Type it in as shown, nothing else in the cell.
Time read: 1:53
